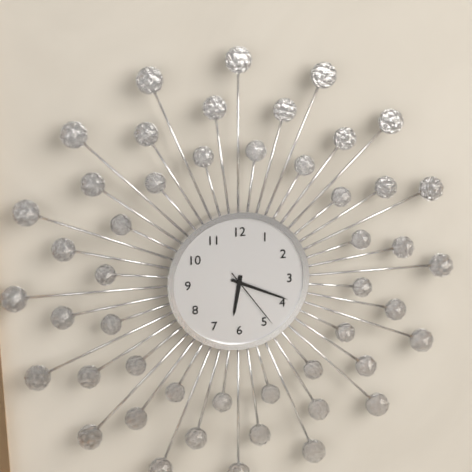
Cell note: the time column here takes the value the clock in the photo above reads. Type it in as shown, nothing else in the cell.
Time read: 6:19:24
